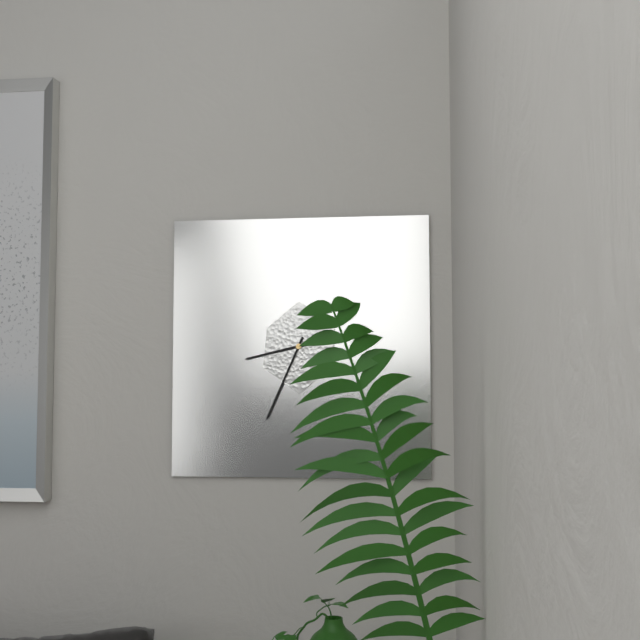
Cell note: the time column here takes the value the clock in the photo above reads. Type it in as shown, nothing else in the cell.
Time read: 8:34
